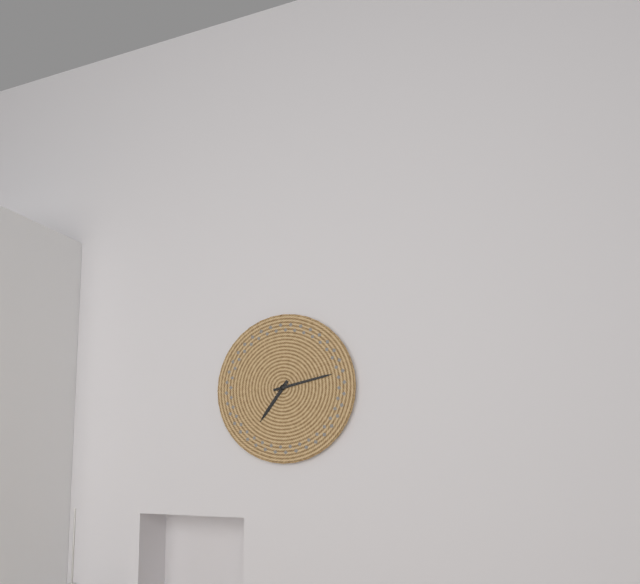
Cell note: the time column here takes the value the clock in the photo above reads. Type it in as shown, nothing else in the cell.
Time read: 7:13
